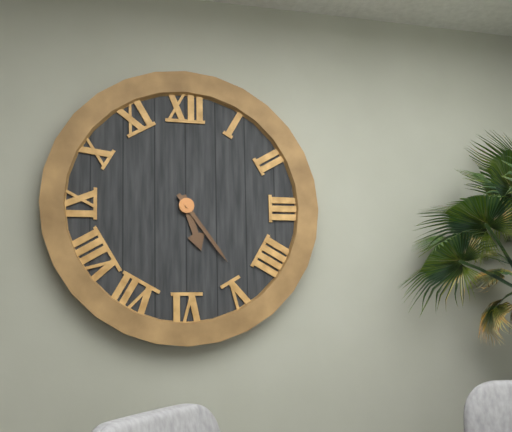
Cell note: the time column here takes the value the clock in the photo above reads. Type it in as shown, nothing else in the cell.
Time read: 5:24
